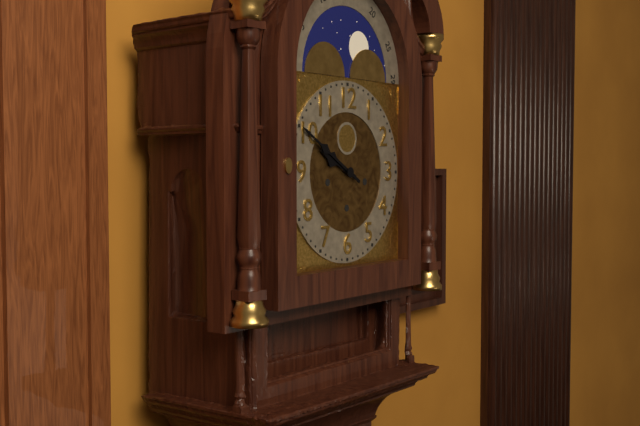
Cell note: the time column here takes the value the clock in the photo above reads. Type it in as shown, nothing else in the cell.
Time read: 9:50
